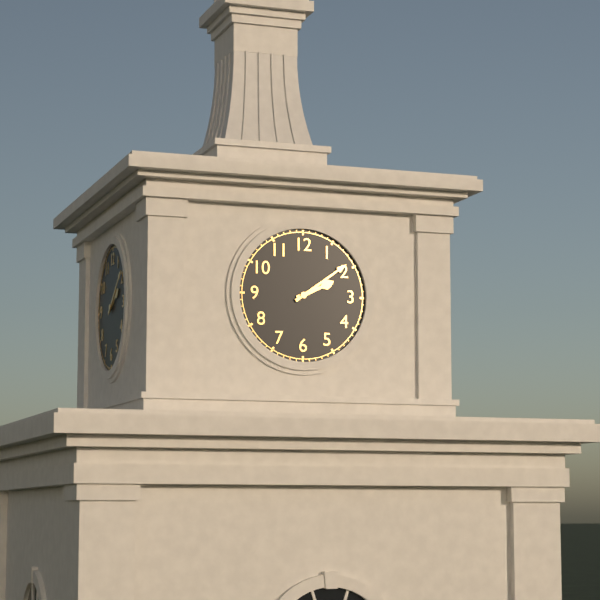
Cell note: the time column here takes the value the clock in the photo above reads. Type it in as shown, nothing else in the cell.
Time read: 2:09
